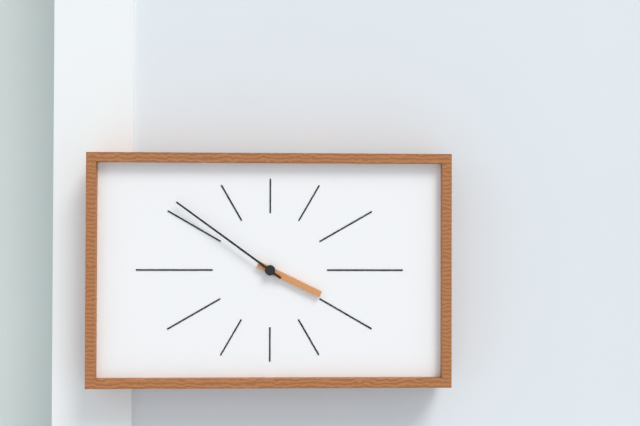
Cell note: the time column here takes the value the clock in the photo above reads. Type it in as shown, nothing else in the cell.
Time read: 3:51
